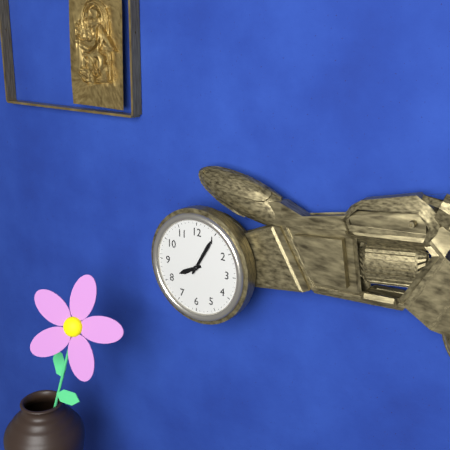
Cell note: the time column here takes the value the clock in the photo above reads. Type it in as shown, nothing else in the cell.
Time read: 8:05
